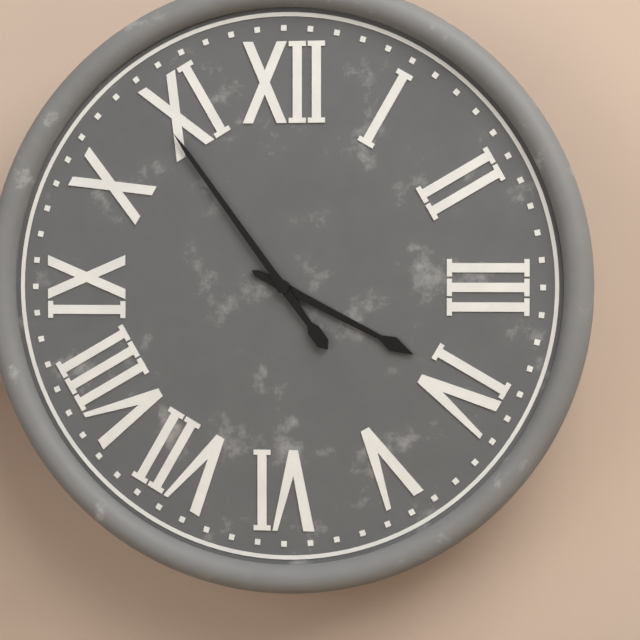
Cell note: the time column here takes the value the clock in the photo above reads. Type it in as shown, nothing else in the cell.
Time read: 3:54
